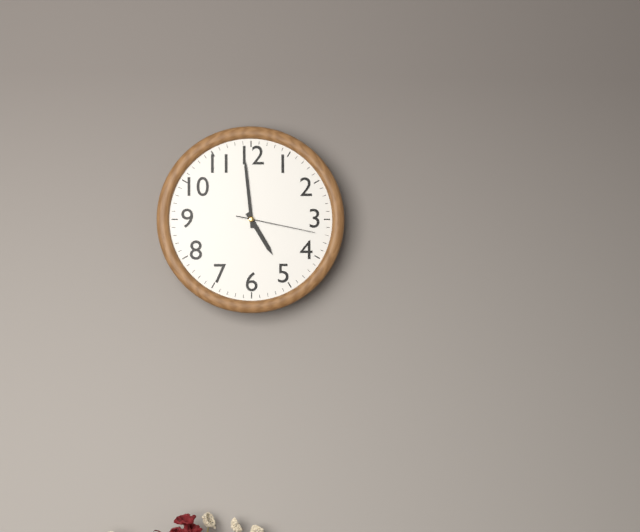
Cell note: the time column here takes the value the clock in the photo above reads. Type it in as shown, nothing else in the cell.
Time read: 4:59:17
